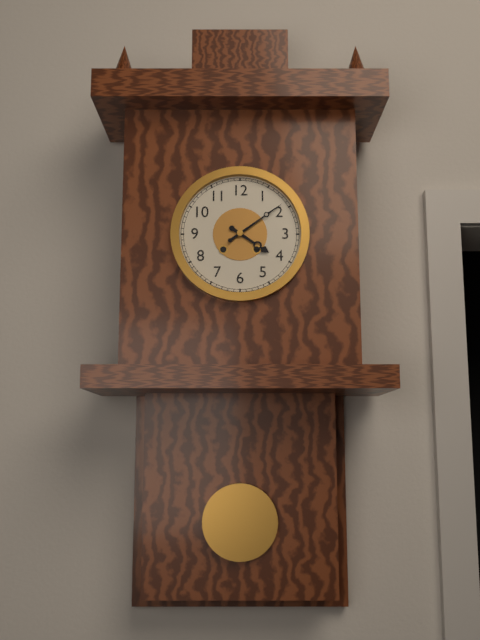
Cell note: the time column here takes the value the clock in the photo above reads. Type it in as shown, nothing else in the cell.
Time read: 4:09
